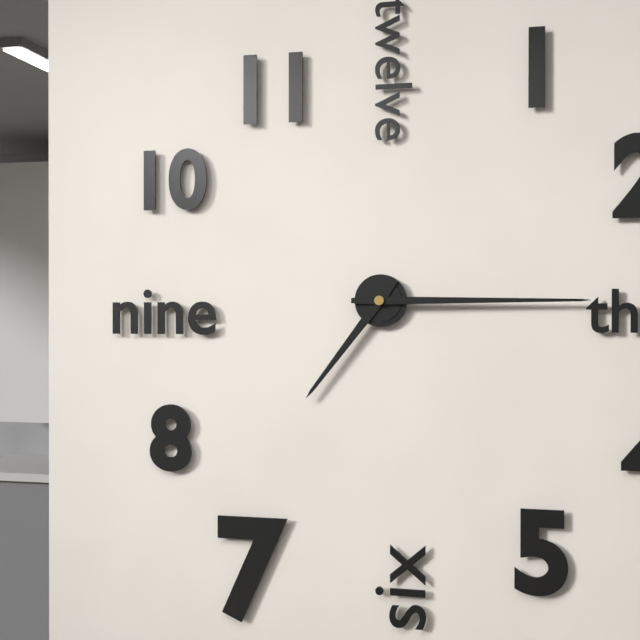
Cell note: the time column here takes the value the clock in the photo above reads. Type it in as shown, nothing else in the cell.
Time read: 7:15
